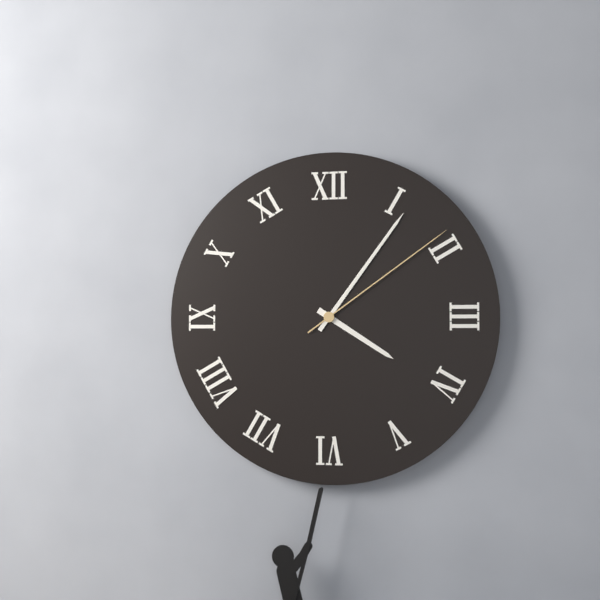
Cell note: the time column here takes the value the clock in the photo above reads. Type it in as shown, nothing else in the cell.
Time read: 4:06:09
